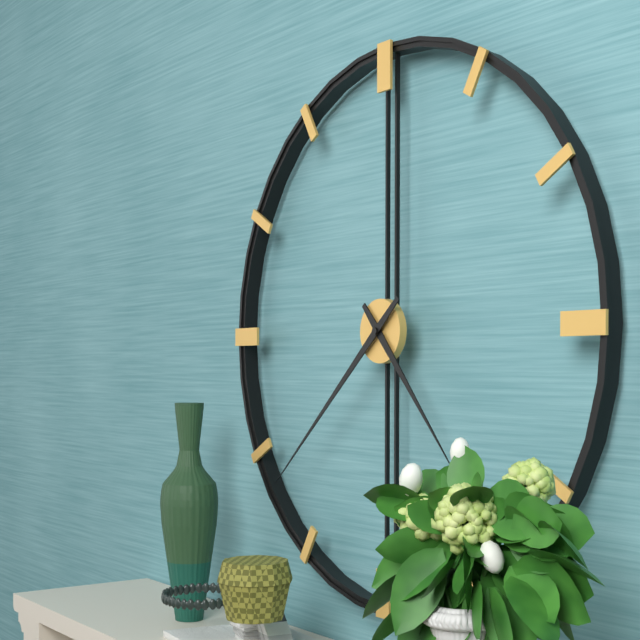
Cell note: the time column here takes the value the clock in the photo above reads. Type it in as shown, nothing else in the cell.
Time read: 4:38
